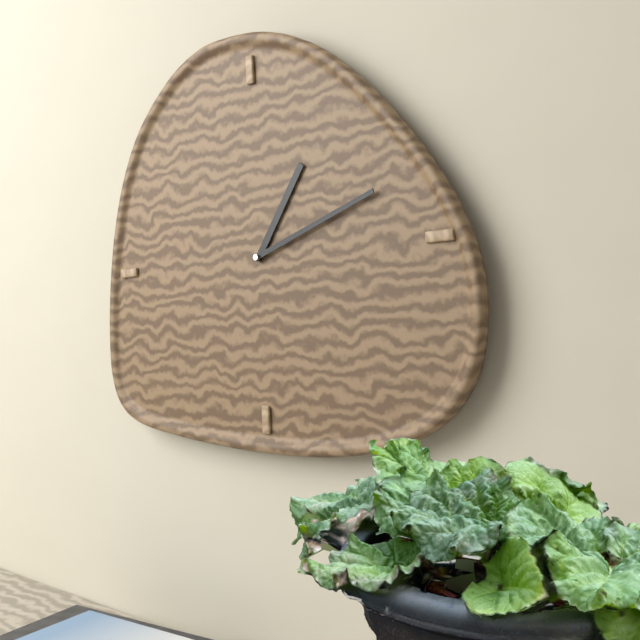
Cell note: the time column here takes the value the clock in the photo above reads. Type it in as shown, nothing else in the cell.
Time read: 1:12
